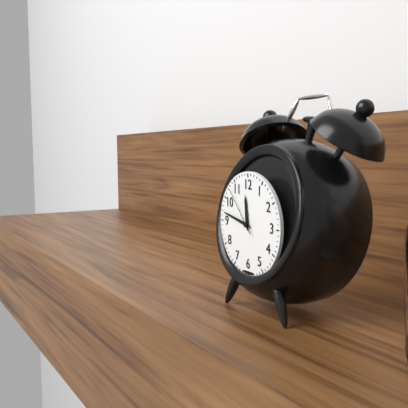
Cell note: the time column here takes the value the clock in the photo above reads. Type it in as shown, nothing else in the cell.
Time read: 11:47:53
